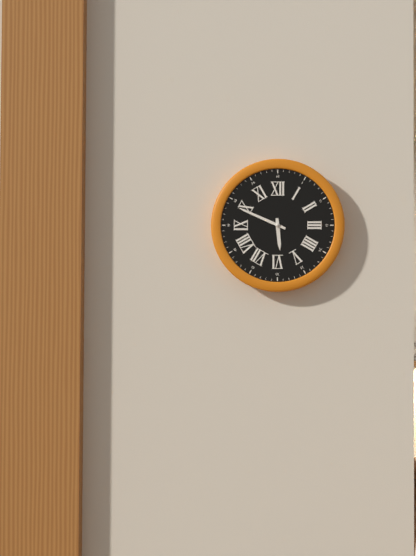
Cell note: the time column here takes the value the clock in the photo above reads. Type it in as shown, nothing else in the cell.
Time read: 5:49
